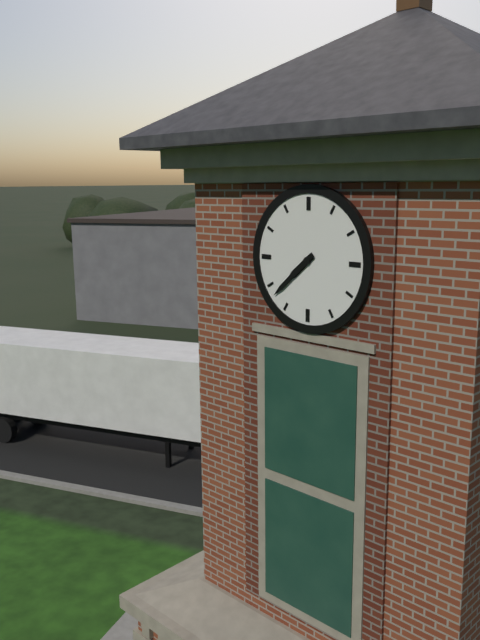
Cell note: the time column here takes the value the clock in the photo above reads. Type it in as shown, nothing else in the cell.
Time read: 7:38
